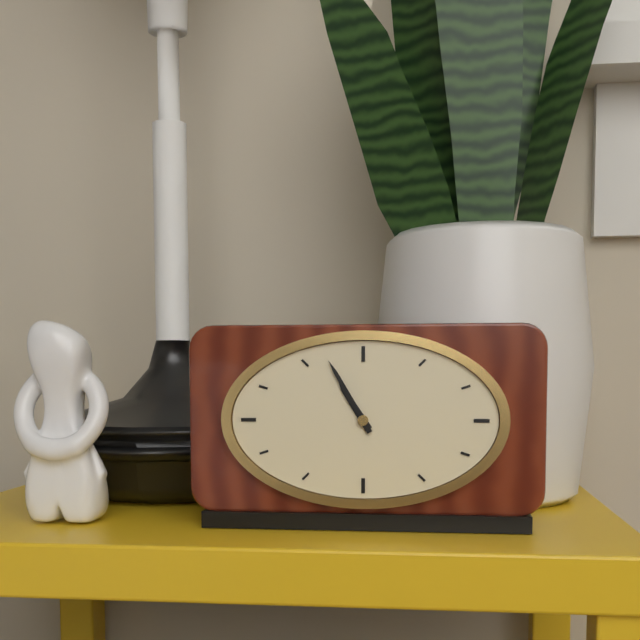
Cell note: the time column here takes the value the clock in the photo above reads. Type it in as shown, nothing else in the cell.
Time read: 10:55
